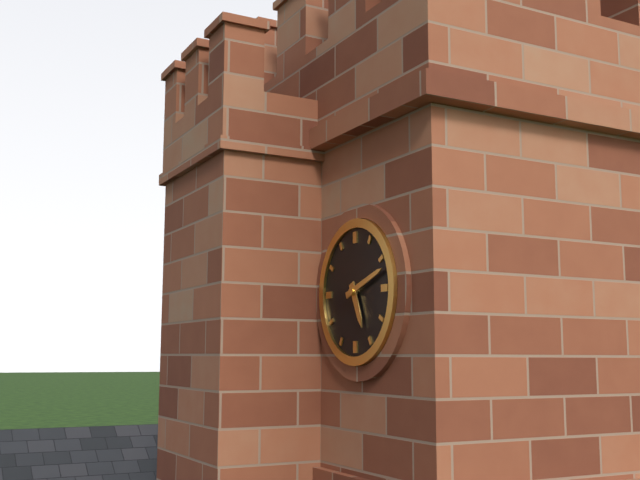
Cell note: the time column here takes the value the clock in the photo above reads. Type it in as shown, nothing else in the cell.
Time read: 5:12
